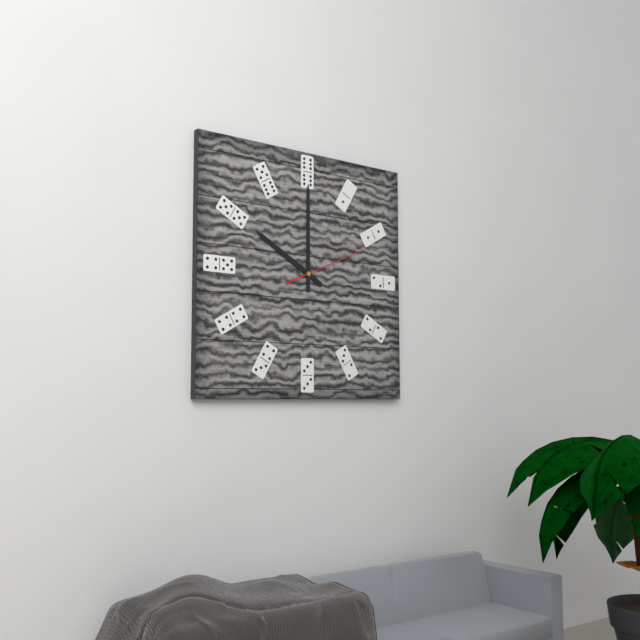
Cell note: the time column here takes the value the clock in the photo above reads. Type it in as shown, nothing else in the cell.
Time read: 10:00:11
